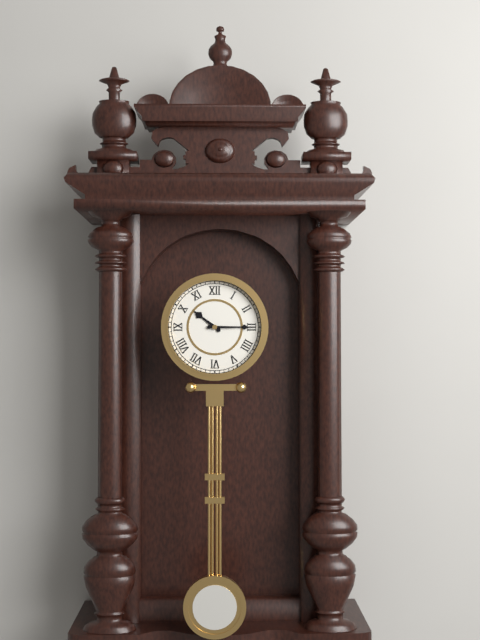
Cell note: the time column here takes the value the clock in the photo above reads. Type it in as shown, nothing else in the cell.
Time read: 10:15
